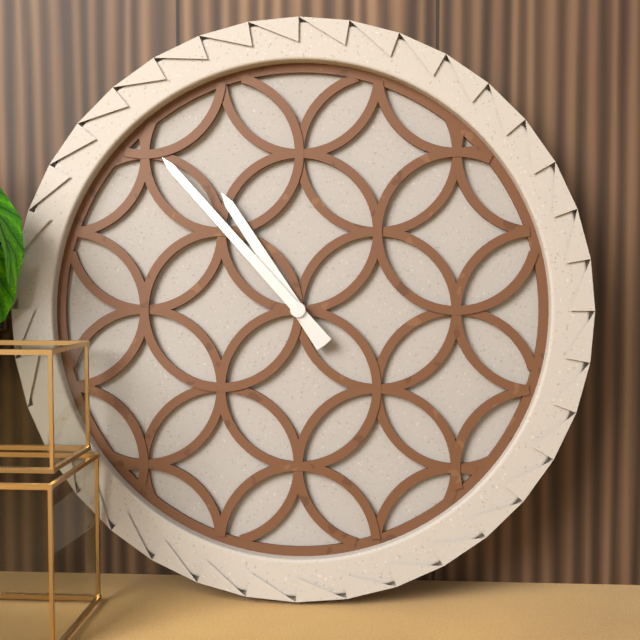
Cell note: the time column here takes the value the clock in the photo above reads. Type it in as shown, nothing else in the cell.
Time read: 10:53
